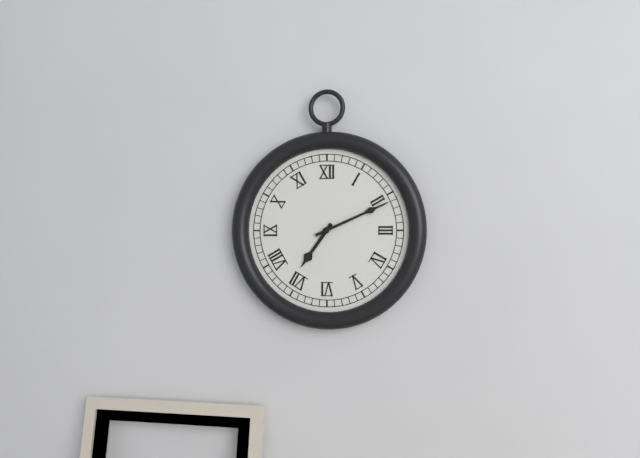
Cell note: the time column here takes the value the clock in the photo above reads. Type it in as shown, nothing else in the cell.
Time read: 7:11
